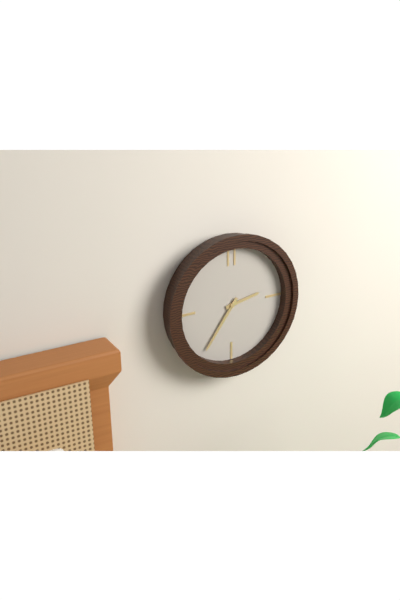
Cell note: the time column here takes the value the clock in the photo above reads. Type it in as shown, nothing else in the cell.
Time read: 2:36
